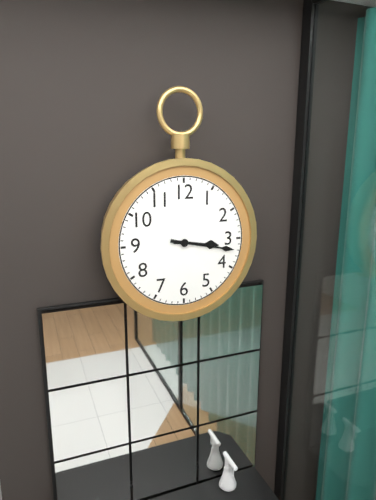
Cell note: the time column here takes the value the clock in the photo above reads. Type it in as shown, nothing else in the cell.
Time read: 3:17
